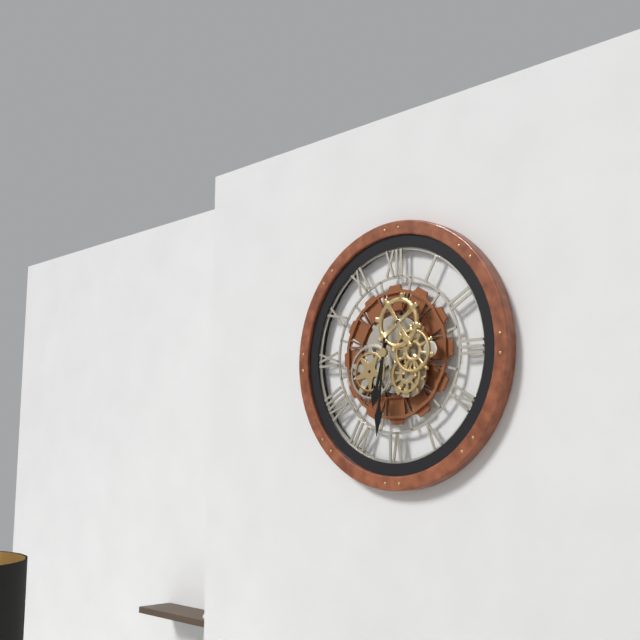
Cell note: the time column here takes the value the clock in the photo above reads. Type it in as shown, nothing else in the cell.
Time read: 6:31
